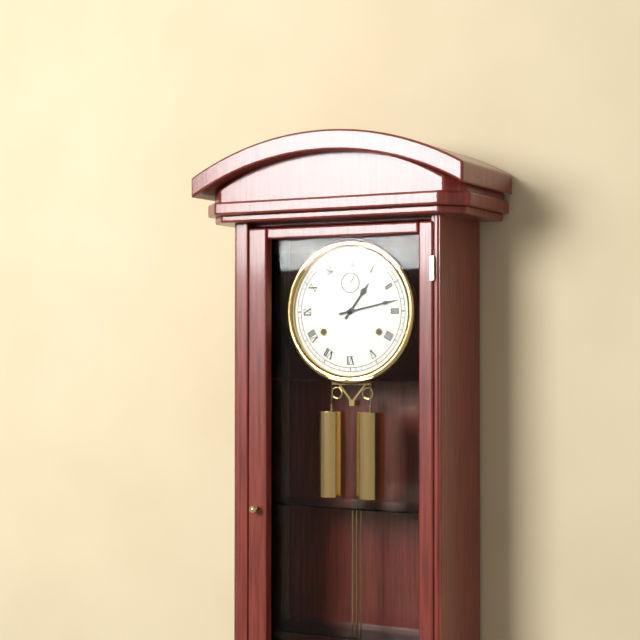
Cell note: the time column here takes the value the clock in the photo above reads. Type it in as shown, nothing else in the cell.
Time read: 1:13
